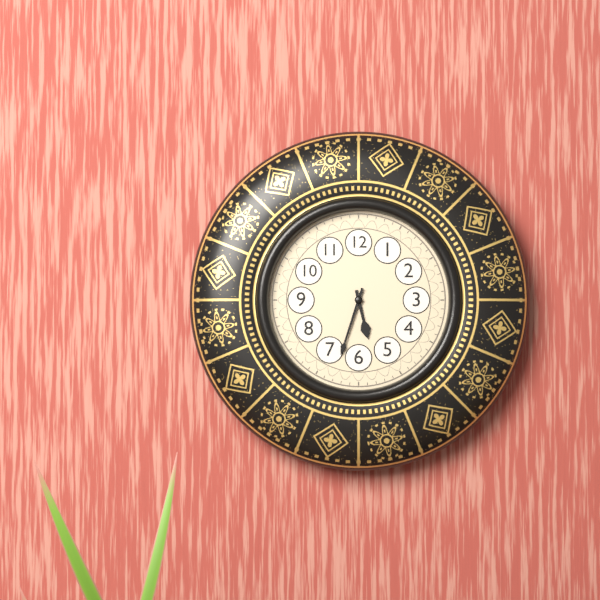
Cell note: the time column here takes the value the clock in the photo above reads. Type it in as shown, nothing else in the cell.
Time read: 5:33
